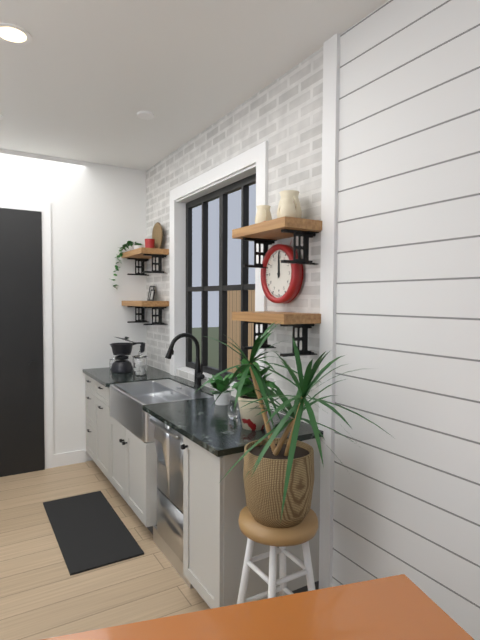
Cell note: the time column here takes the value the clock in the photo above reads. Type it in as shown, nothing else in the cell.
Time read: 12:00
